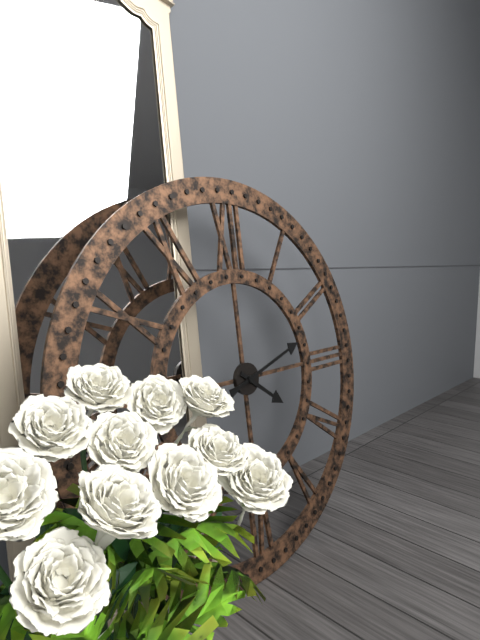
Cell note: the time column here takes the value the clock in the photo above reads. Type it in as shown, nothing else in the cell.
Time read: 4:12
